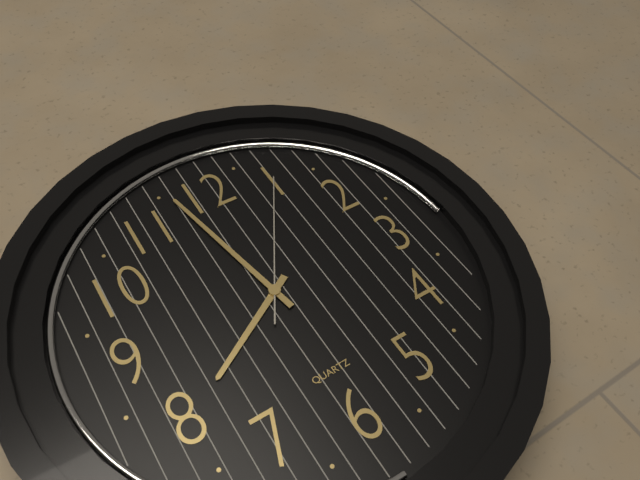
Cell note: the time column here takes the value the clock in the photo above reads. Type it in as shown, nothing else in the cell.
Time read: 7:58:05
